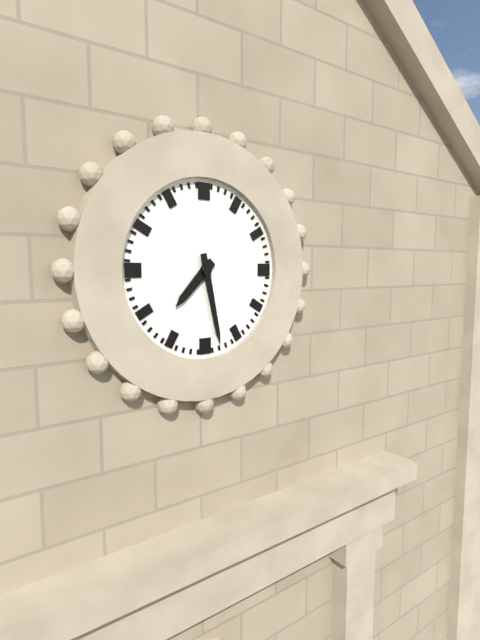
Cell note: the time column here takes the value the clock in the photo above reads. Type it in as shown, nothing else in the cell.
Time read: 7:28
